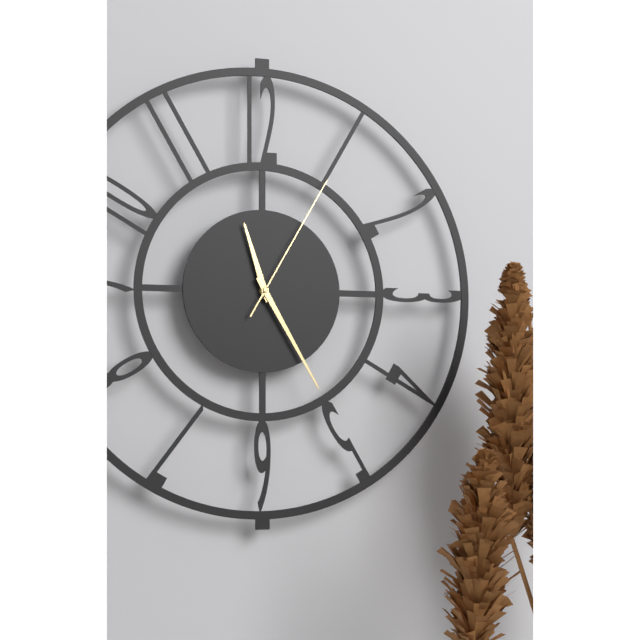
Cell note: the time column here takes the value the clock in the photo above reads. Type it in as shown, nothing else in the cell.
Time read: 11:25:05
